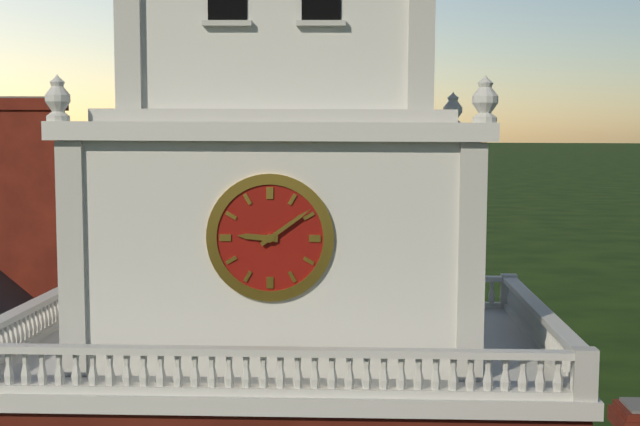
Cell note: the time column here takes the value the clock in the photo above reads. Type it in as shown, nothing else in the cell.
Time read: 9:09
